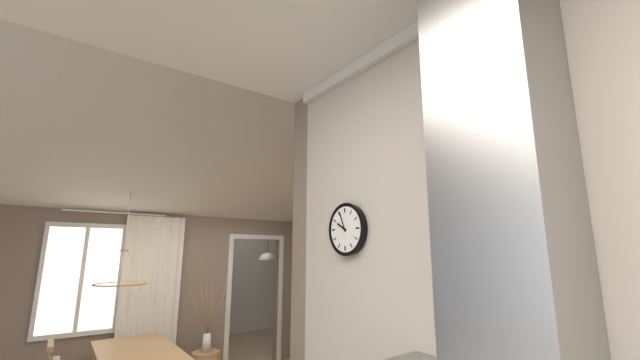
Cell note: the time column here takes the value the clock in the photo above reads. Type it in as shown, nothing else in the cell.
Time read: 9:56
